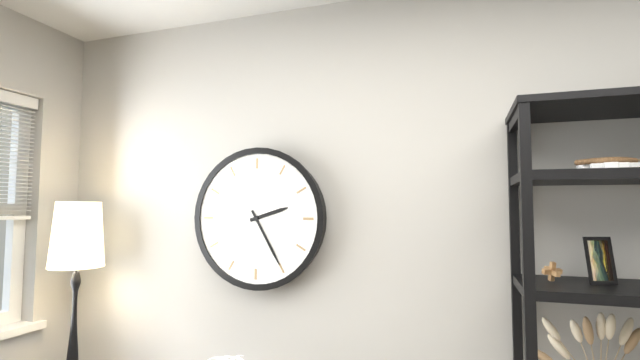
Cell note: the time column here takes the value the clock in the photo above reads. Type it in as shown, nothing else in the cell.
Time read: 2:25
